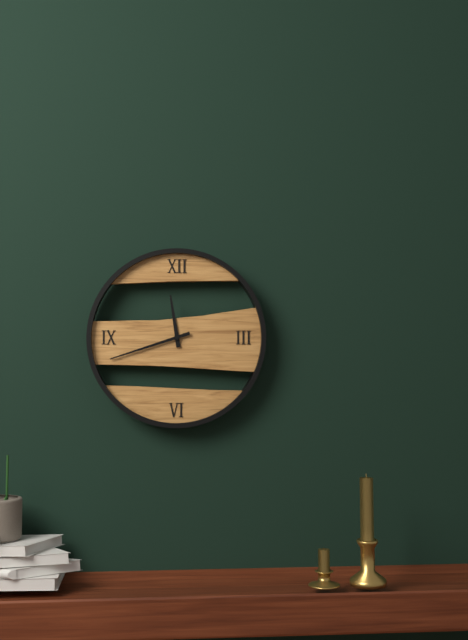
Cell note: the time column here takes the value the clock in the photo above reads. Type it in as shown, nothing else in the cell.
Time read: 11:42
